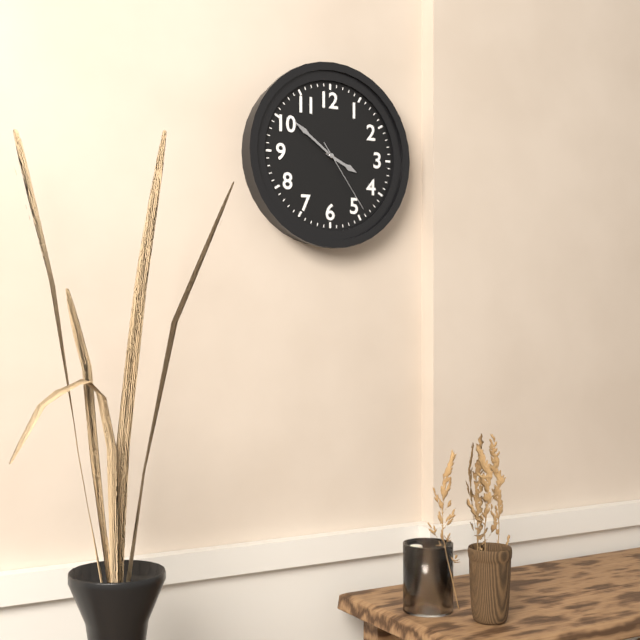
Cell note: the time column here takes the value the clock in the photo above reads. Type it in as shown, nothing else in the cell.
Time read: 3:51:24
